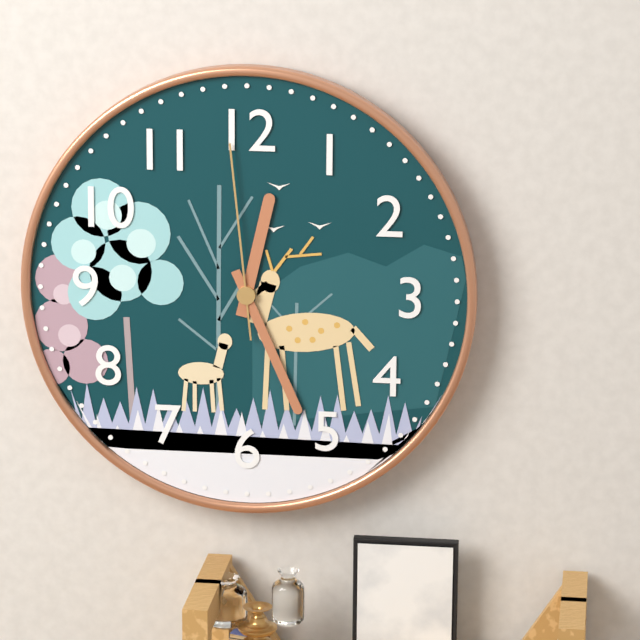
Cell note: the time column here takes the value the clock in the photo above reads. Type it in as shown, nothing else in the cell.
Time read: 12:26:59
